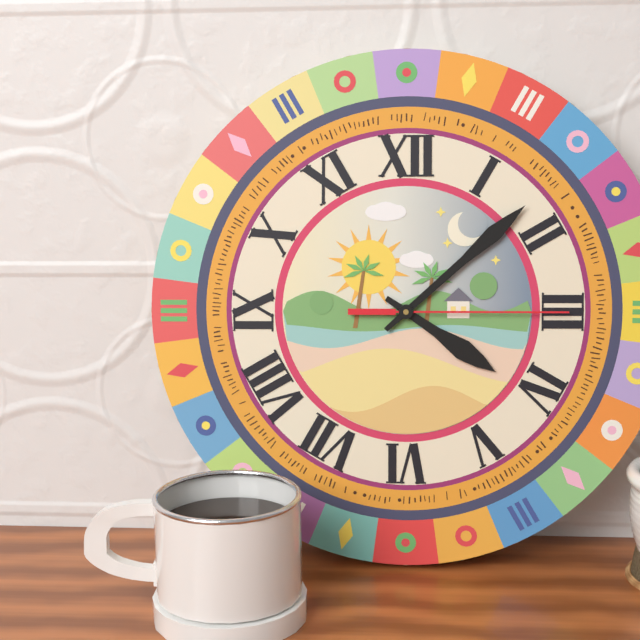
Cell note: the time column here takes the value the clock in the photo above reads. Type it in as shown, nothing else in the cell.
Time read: 4:08:15
